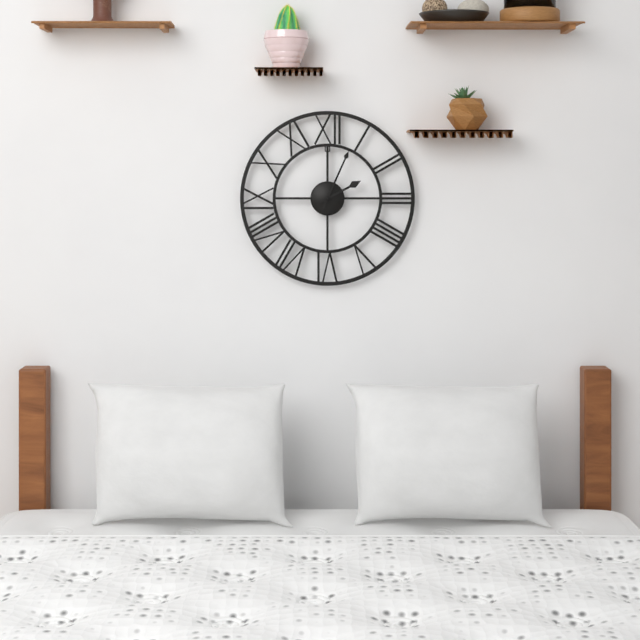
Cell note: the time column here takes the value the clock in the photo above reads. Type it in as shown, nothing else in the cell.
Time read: 2:04
